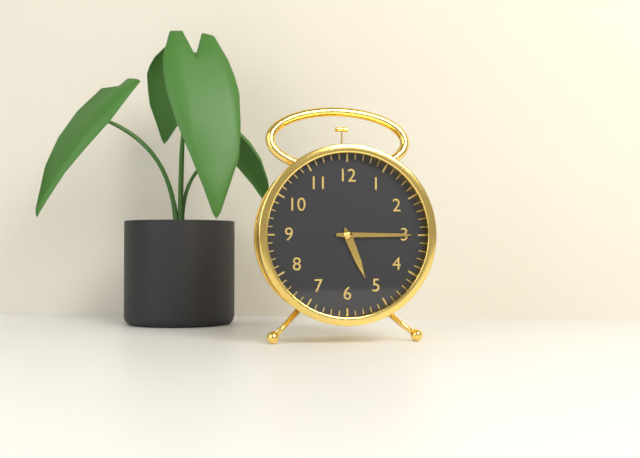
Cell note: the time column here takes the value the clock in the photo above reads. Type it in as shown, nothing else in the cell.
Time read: 5:15
